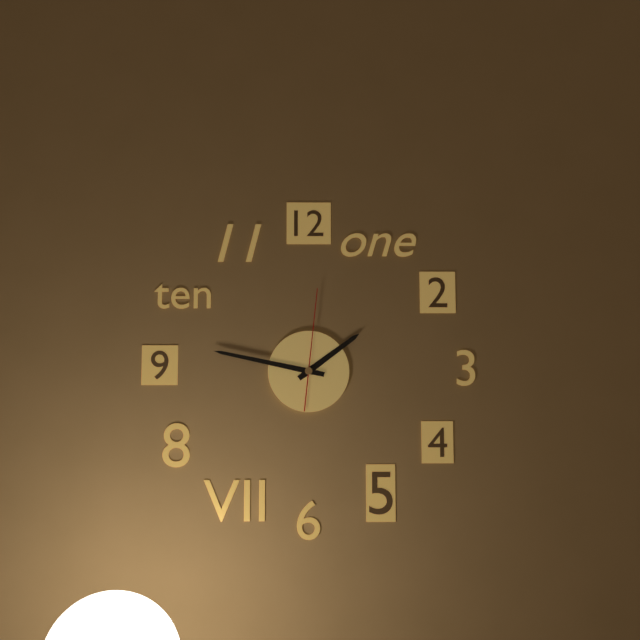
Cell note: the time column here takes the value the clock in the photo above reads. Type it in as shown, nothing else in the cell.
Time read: 1:47:01
